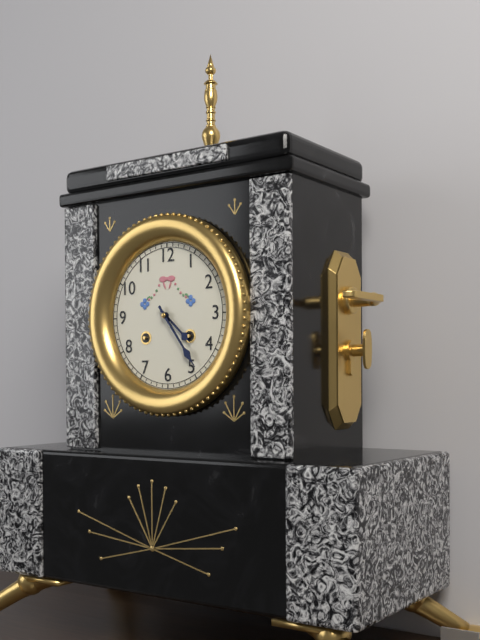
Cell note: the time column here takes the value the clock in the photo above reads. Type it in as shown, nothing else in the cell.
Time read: 4:24
